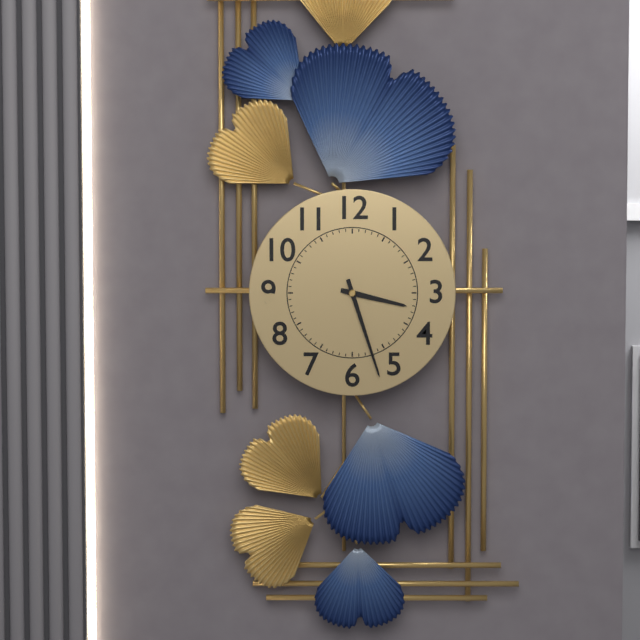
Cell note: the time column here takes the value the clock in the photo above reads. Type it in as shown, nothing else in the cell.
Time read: 3:27
